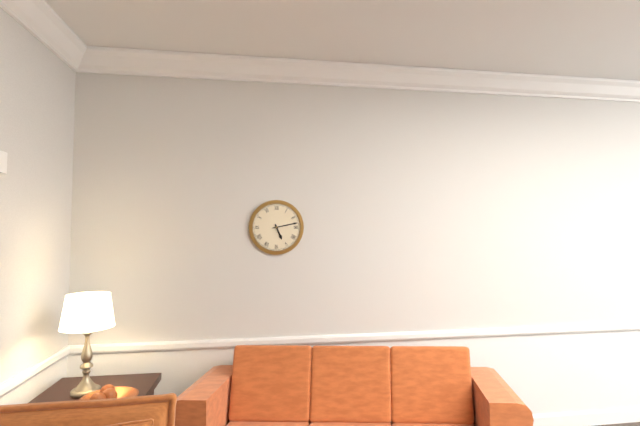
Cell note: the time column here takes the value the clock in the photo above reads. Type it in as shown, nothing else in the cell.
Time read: 5:13
